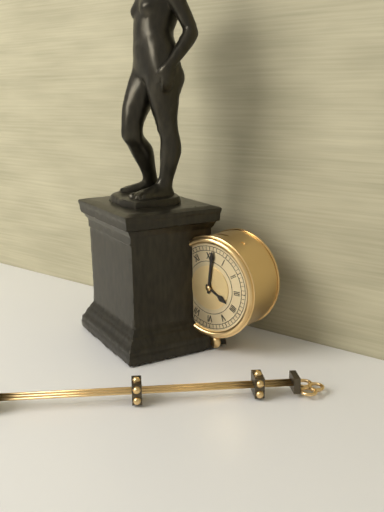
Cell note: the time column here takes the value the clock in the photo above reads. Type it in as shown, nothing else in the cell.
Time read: 4:01
